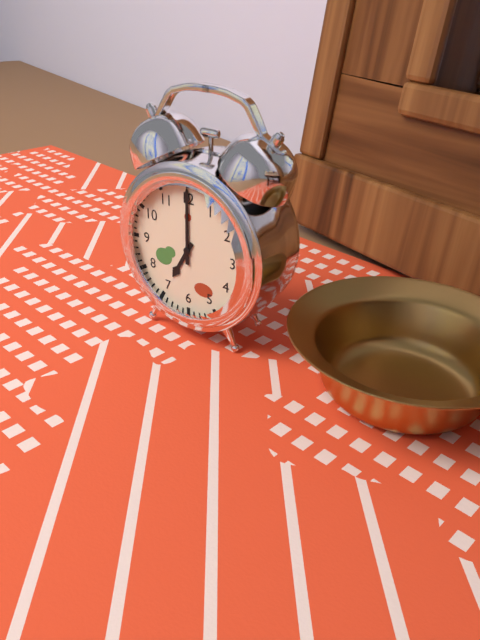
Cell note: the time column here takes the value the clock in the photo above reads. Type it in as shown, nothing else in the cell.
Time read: 7:00
